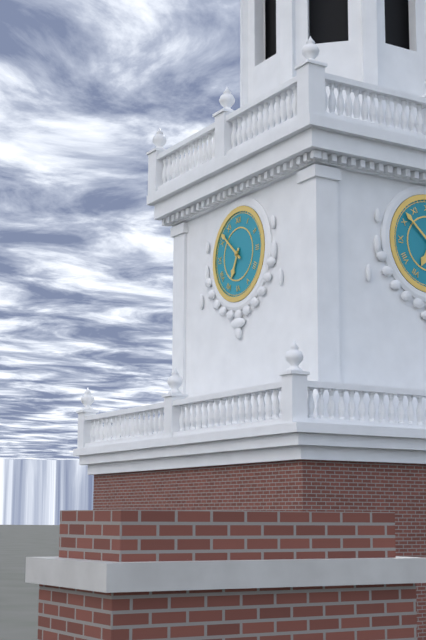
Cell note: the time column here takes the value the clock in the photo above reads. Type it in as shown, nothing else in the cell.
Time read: 6:52
